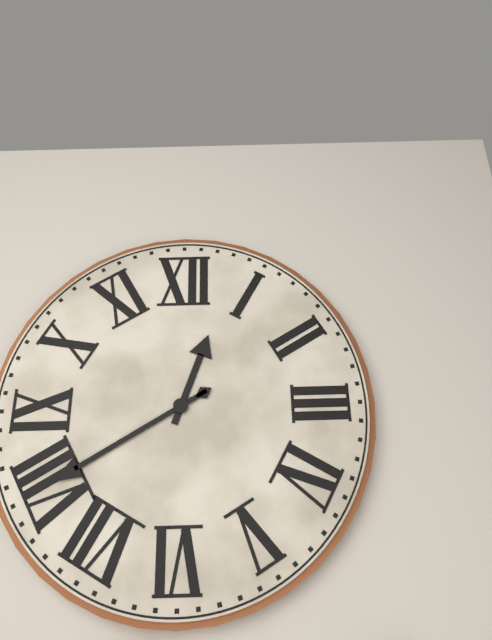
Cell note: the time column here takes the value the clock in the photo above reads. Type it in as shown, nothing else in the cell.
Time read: 12:40
